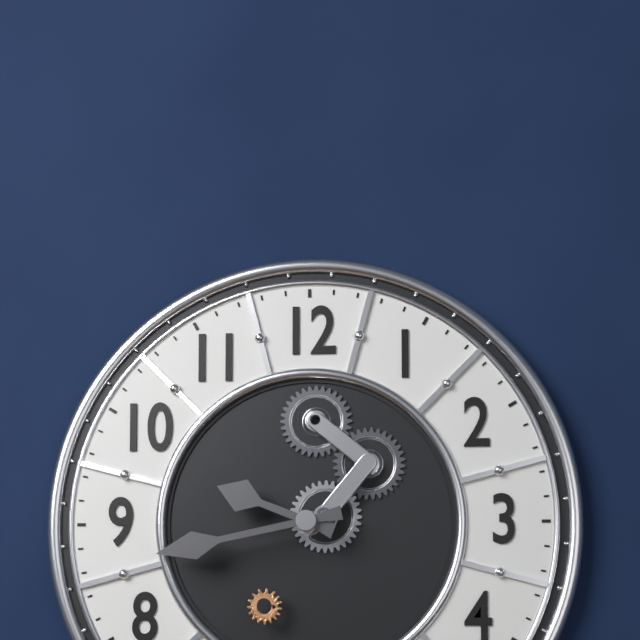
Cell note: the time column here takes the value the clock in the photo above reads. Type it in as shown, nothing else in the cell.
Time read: 9:43
